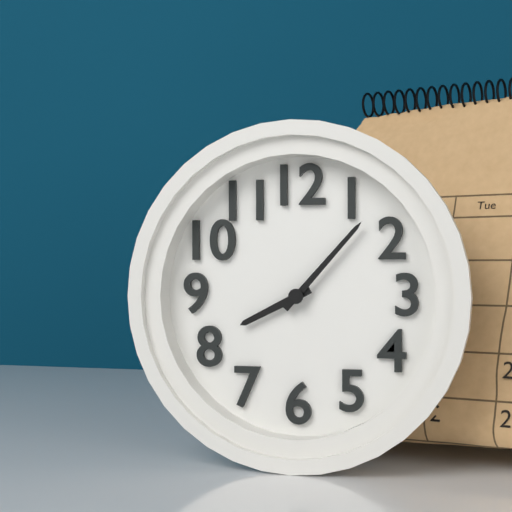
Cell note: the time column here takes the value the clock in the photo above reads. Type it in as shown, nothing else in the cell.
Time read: 8:07
